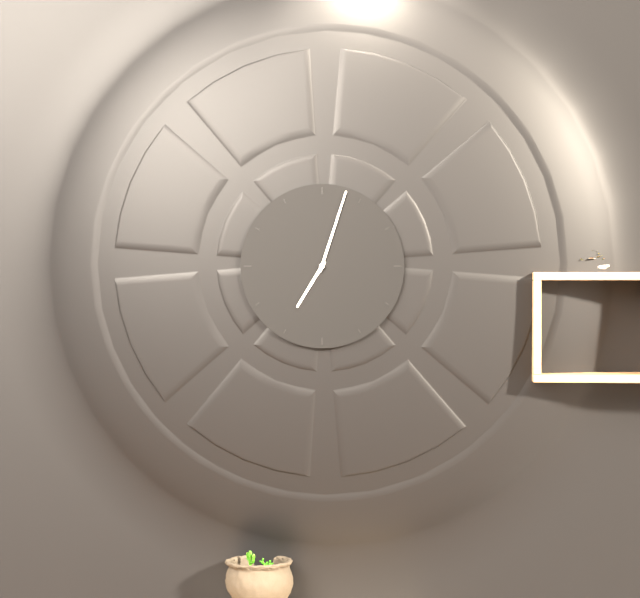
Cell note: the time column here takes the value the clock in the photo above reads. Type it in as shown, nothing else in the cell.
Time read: 7:03
